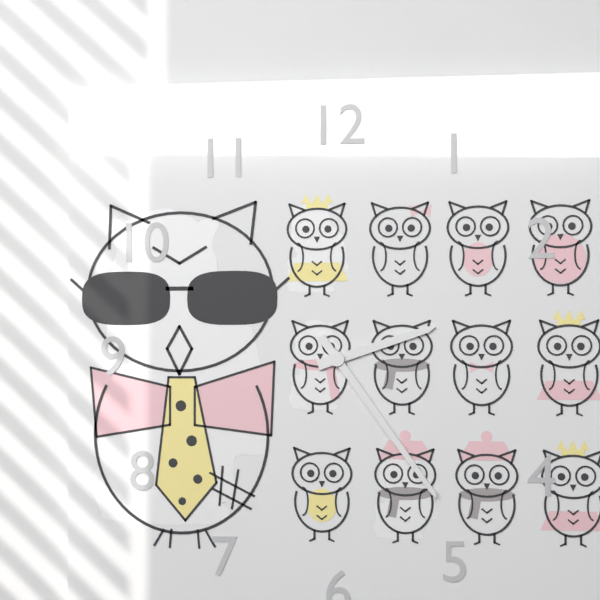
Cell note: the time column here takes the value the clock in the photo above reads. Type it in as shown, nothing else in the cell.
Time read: 2:24
